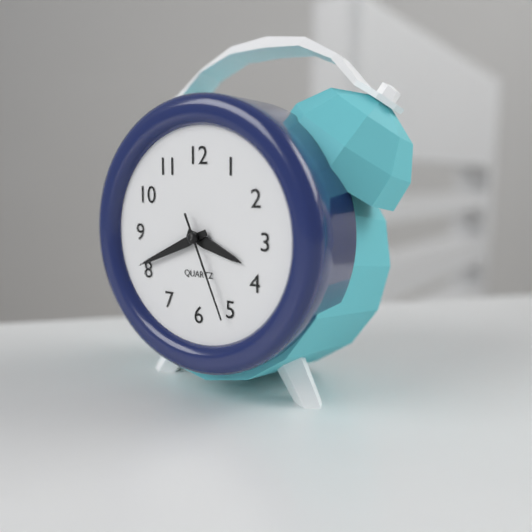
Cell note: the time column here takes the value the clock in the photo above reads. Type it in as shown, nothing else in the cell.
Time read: 3:41:26
